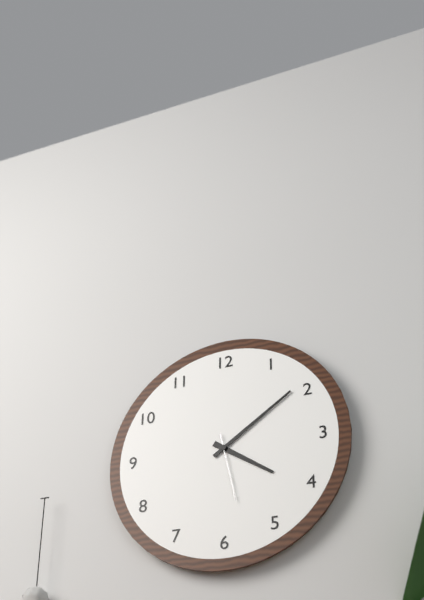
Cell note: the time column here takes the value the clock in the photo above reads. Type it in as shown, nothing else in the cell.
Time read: 4:09:28
